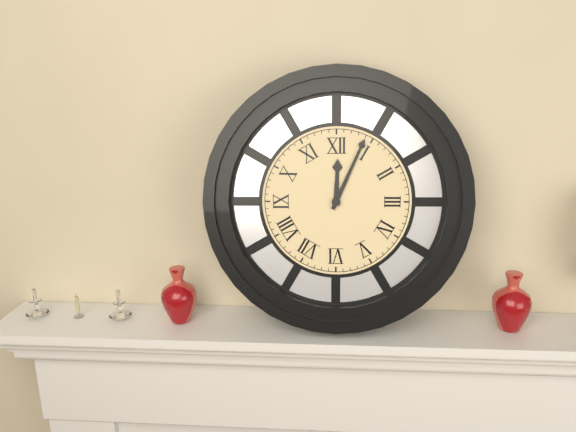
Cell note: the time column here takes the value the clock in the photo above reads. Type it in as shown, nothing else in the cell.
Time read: 12:04
